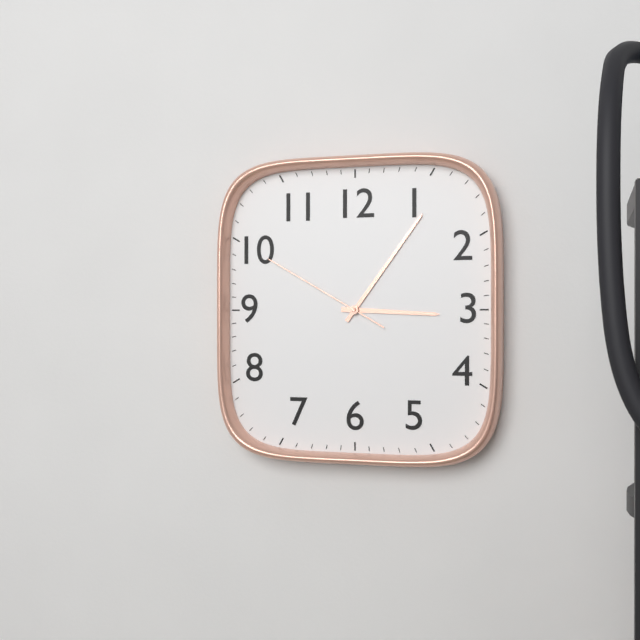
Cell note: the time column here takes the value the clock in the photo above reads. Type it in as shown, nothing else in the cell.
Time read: 3:06:50
